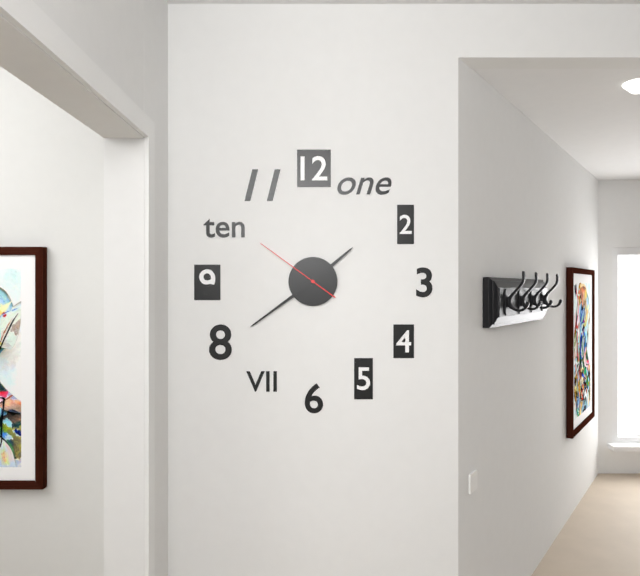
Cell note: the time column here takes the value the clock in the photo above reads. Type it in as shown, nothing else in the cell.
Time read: 1:39:51
